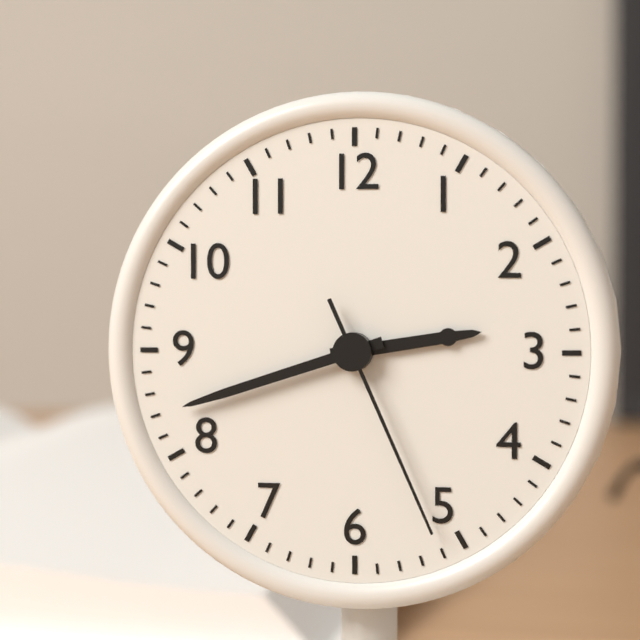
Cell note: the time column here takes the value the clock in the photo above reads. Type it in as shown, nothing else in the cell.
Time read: 2:42:26
